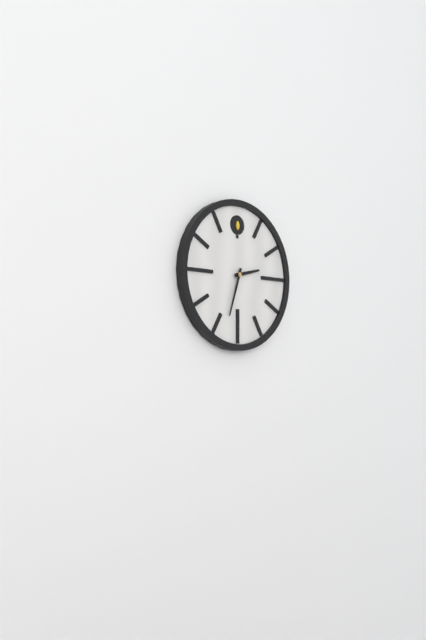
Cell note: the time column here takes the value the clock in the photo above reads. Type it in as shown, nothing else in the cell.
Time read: 2:33
